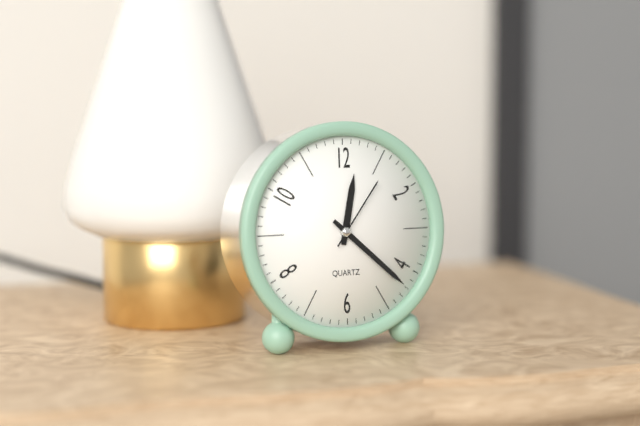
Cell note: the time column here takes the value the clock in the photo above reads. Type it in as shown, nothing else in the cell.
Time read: 12:22:06
